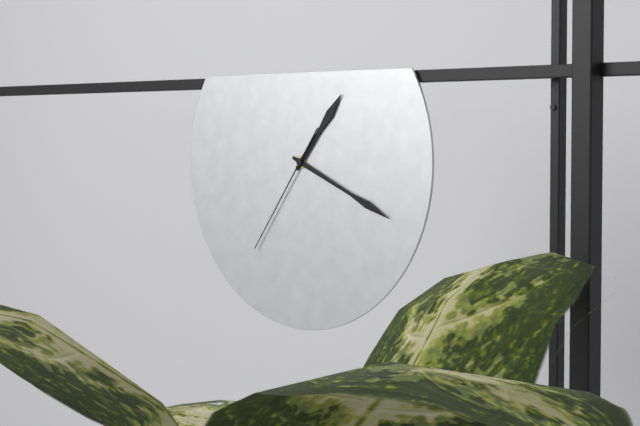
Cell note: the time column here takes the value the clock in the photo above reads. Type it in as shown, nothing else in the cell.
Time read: 1:19:36
